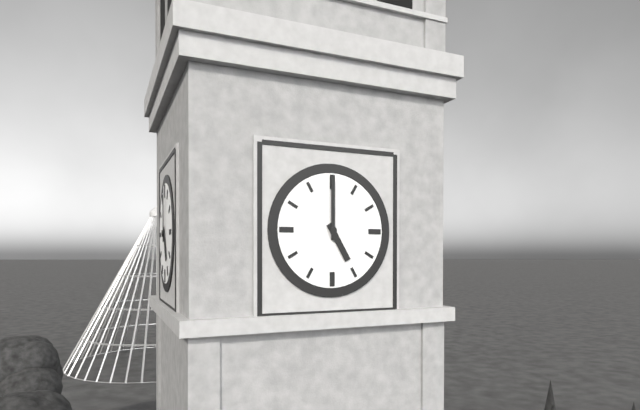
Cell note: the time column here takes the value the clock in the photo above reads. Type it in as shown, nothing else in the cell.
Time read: 5:00
